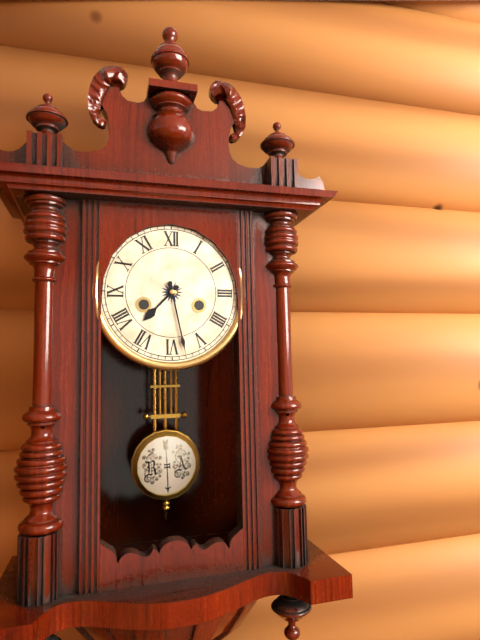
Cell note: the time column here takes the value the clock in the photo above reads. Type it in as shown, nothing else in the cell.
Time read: 7:28
